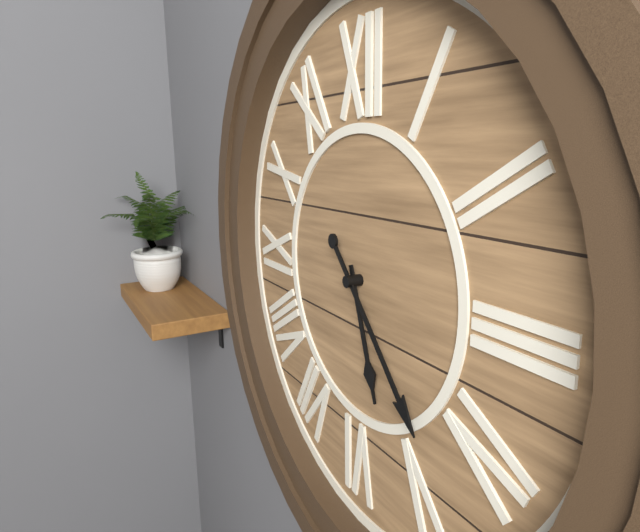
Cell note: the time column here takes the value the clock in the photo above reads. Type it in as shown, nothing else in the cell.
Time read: 5:23
